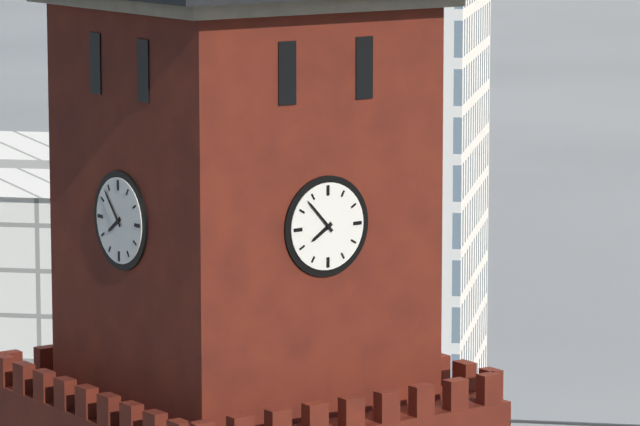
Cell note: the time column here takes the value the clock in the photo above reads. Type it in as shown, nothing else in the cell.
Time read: 7:53
